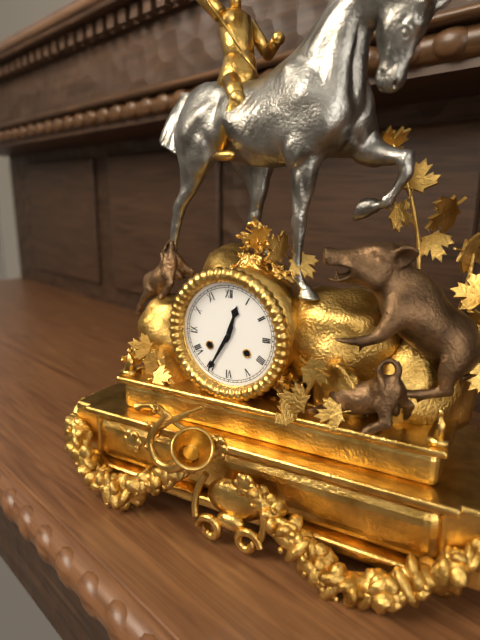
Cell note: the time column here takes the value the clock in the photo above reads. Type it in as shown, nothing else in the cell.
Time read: 12:35
